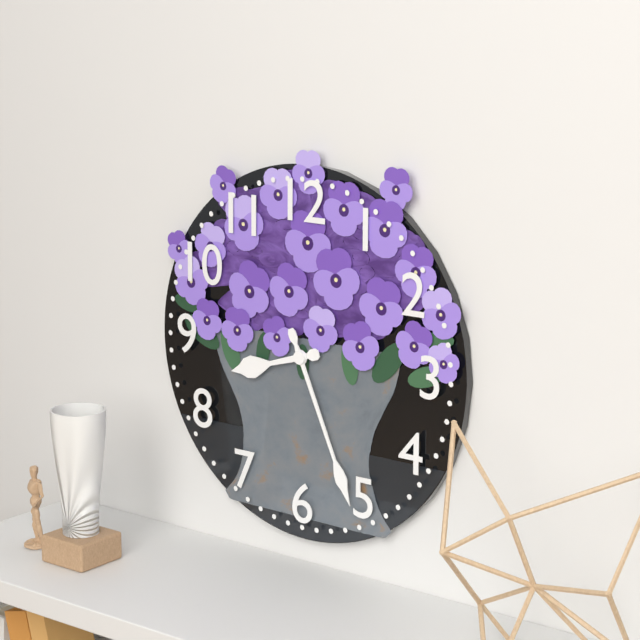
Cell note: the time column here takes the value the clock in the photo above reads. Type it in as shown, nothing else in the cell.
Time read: 8:26
